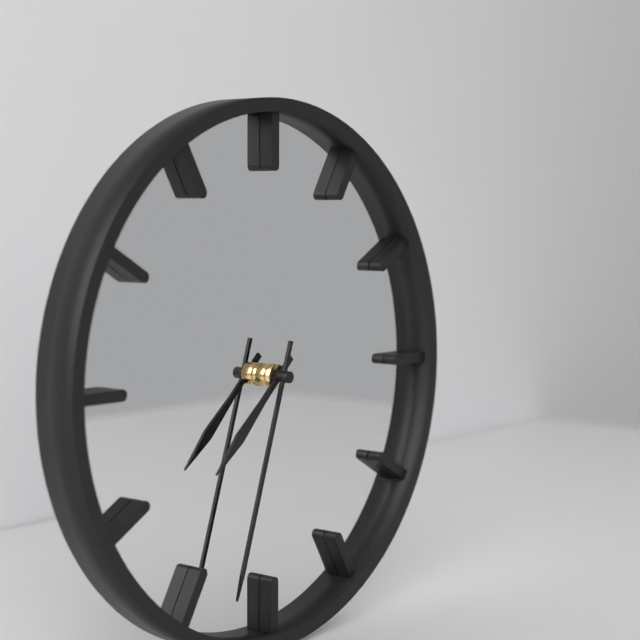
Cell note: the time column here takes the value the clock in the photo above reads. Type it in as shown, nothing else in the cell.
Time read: 7:33
